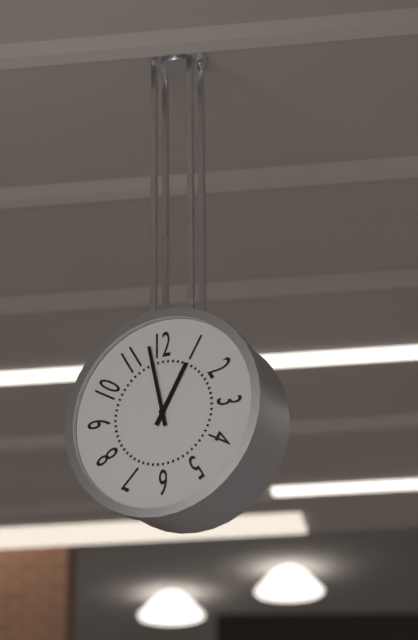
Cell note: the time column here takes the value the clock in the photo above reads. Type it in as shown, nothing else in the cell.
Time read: 12:58
